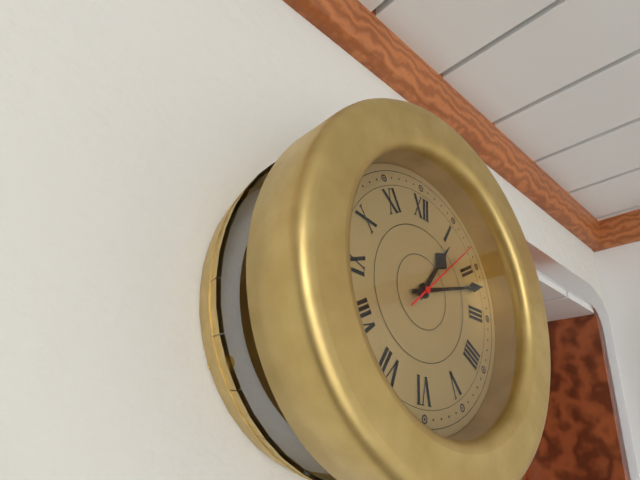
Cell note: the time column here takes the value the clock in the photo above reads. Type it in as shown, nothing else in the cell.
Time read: 1:12:08
